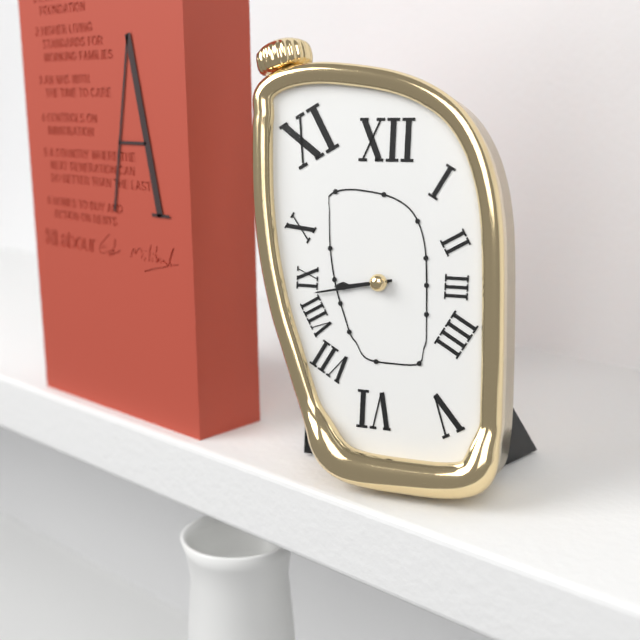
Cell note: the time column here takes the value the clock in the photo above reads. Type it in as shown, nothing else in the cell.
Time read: 8:43
